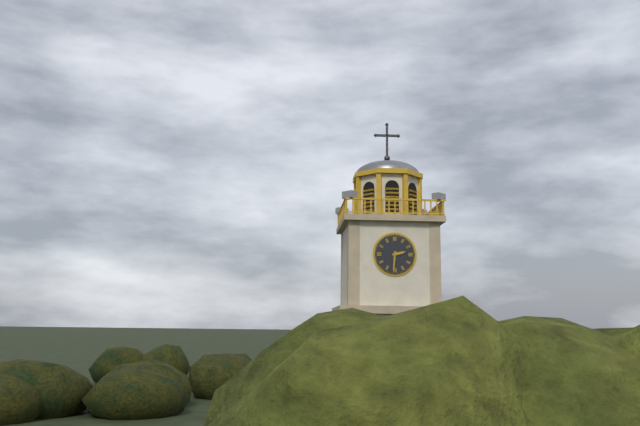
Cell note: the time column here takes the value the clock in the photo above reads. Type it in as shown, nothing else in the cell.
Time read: 2:31
